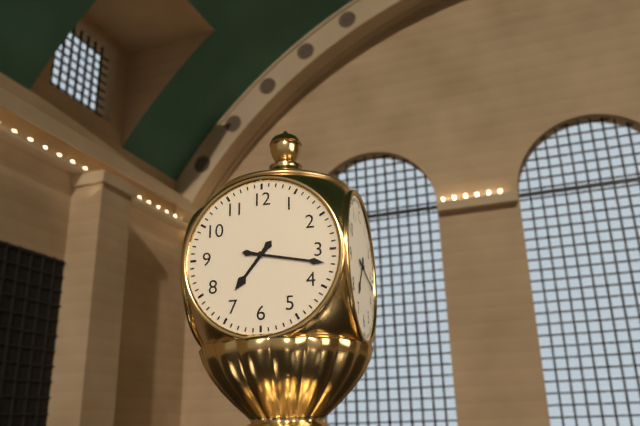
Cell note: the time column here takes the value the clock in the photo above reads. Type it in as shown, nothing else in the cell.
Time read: 7:17
